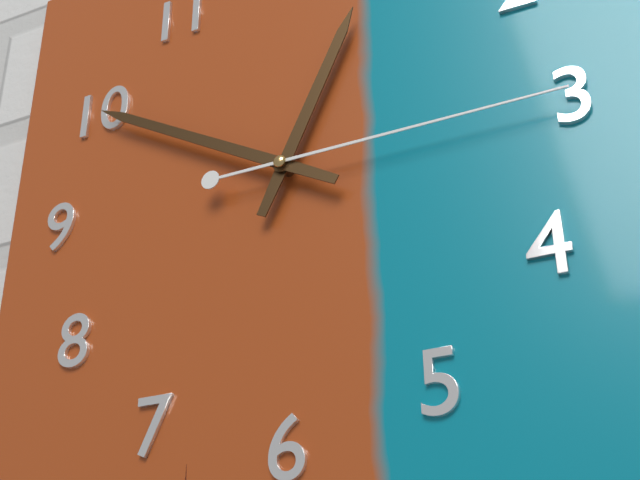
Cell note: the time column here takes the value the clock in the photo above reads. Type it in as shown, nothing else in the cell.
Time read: 12:50:15
